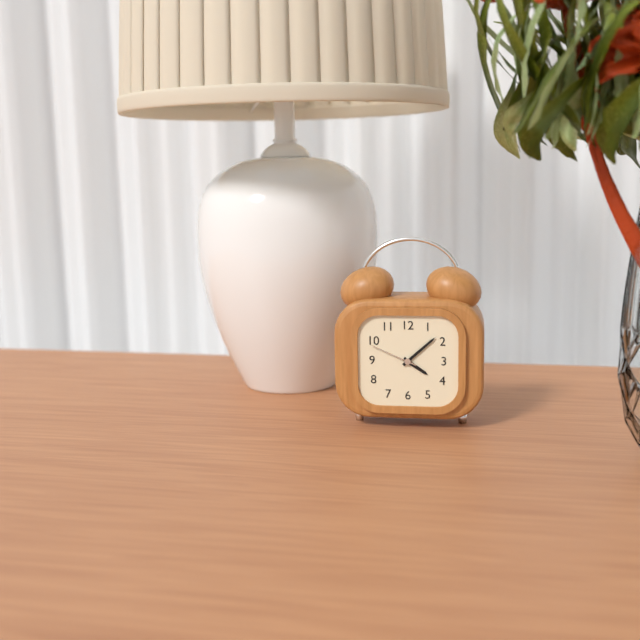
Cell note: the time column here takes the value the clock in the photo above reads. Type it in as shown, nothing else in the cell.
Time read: 4:08:49
